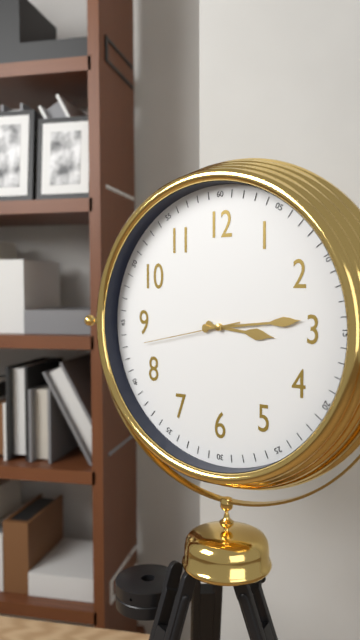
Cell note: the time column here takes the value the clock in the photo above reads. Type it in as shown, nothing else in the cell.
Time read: 3:14:43
